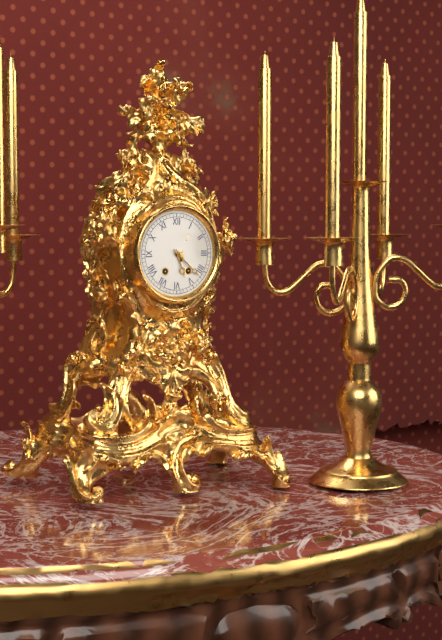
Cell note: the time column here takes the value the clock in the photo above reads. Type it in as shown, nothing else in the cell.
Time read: 5:22
